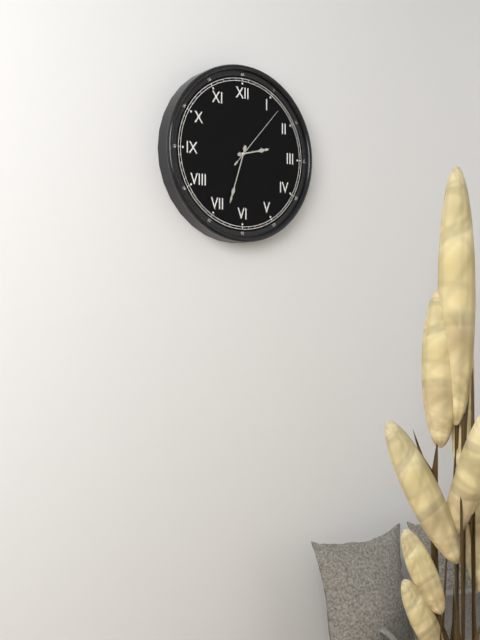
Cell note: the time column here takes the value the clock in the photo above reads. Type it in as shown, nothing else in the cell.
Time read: 2:33:07
